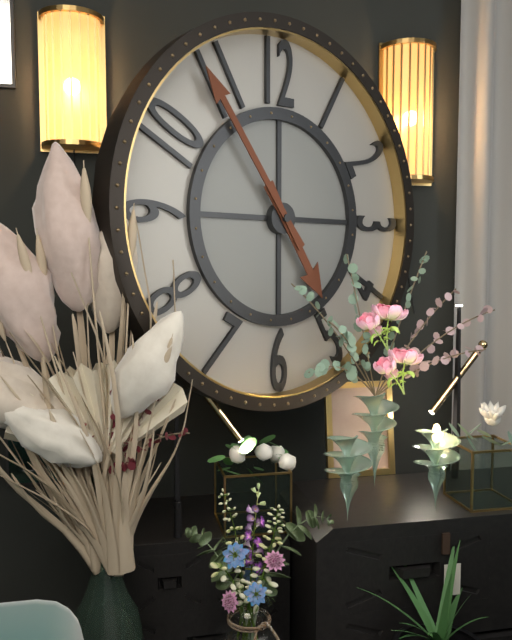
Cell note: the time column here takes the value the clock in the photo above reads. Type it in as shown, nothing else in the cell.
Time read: 4:54
